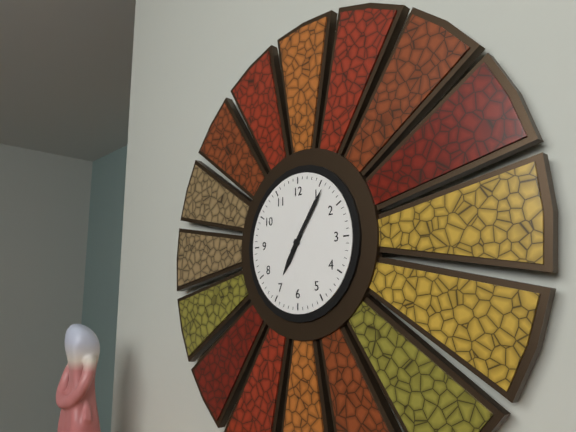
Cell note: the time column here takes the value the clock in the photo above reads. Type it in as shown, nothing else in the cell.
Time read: 7:06
